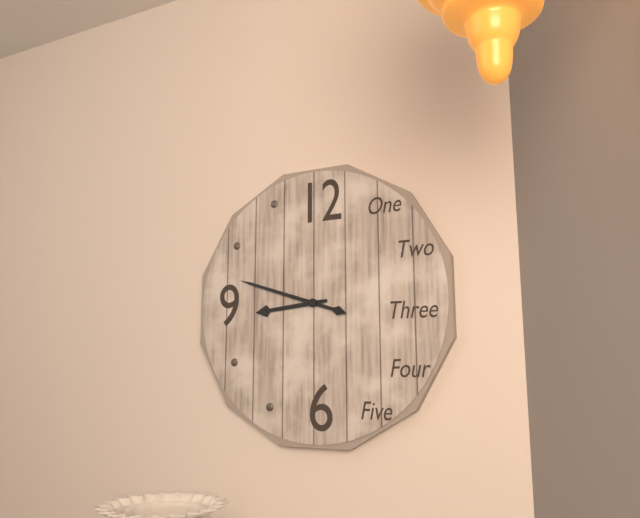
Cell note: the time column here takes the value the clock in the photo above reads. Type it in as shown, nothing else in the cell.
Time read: 8:48
